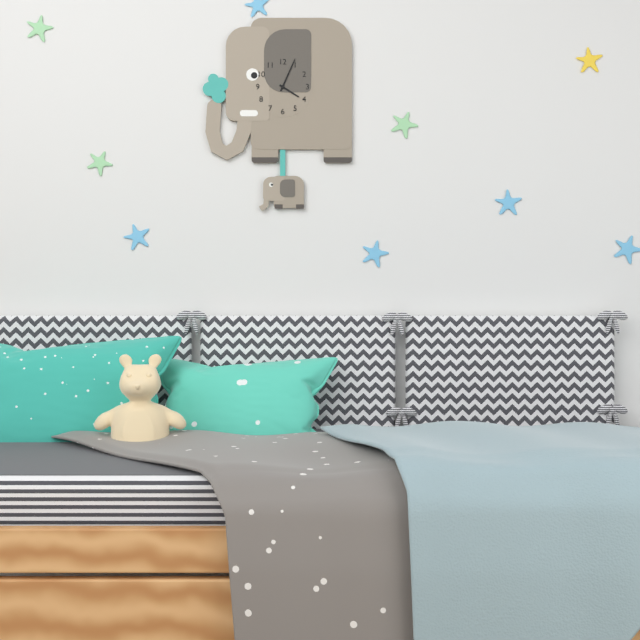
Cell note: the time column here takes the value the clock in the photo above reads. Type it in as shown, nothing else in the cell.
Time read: 4:04
